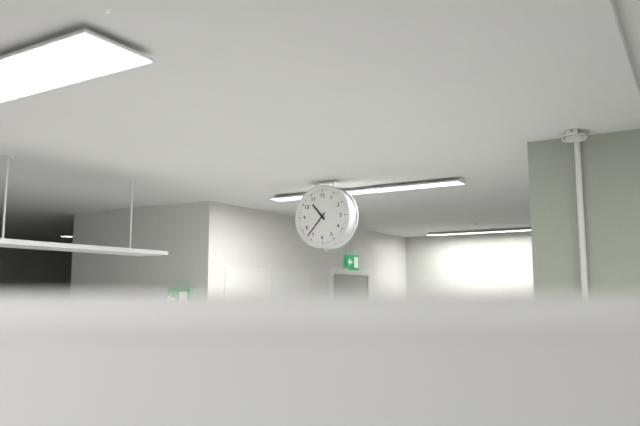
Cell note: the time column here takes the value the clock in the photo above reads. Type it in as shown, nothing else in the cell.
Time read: 10:37
